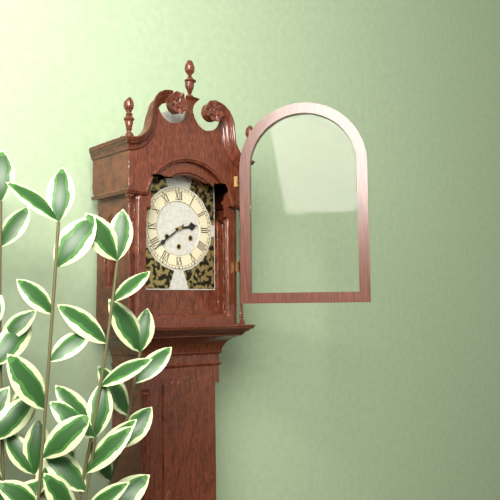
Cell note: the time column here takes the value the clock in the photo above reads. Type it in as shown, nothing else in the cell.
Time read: 2:39
